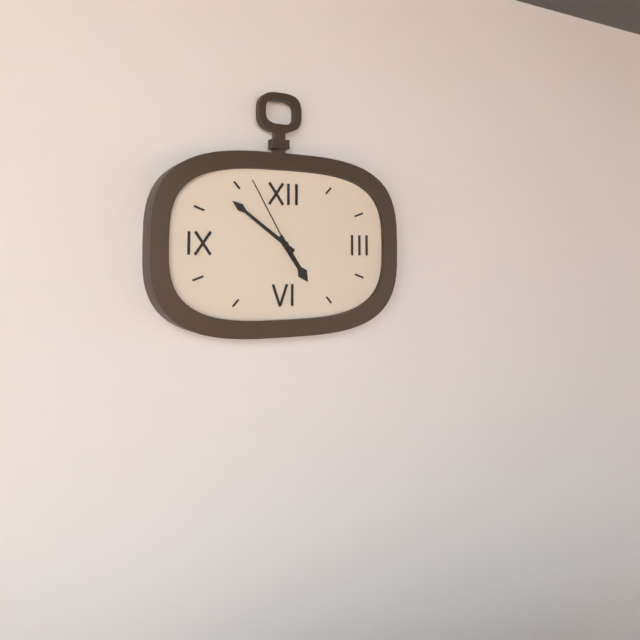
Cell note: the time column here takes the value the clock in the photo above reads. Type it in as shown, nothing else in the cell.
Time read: 4:51:55
